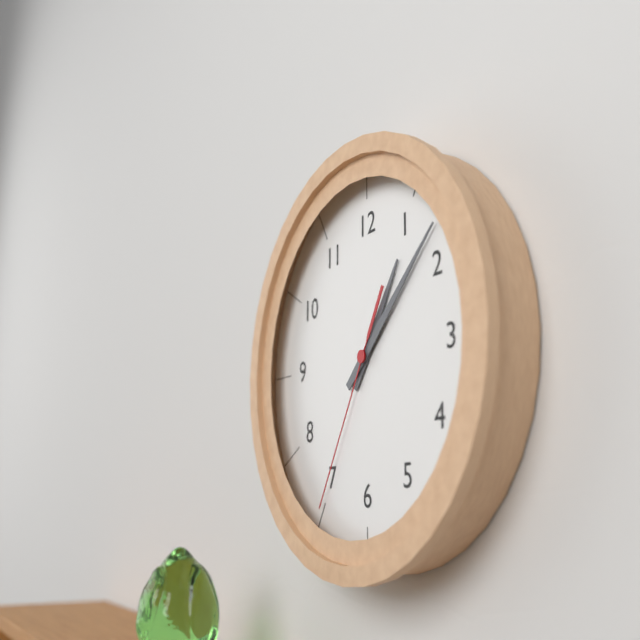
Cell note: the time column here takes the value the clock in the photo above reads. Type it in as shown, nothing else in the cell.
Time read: 1:08:35
